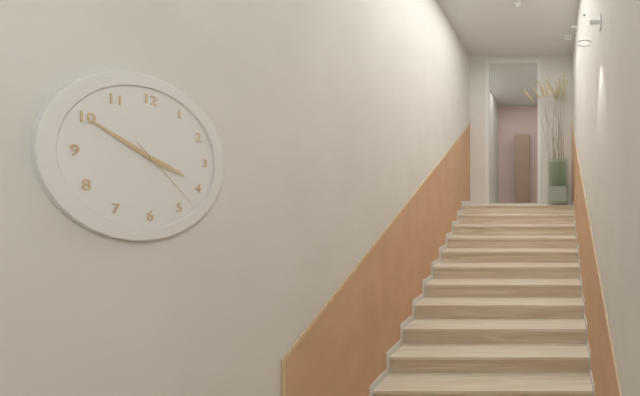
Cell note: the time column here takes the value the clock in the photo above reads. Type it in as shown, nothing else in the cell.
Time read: 3:50:23
